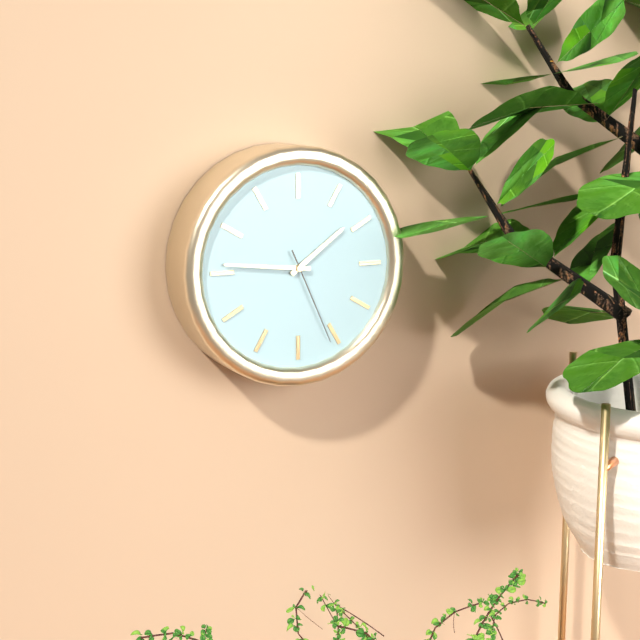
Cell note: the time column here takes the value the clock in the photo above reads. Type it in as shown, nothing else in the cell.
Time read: 1:46:26
